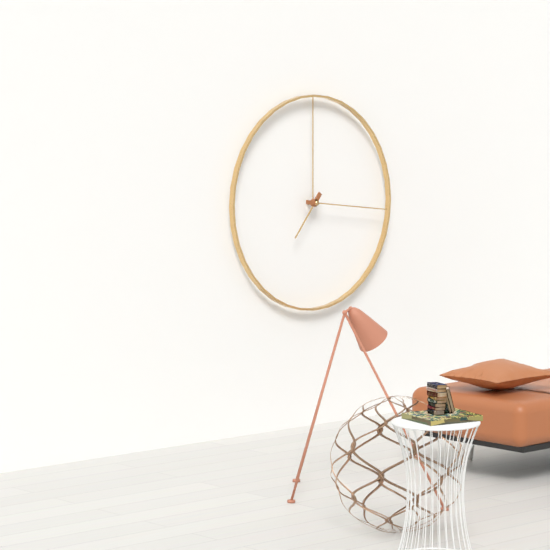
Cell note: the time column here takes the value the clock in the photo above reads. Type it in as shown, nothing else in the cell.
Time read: 7:16
